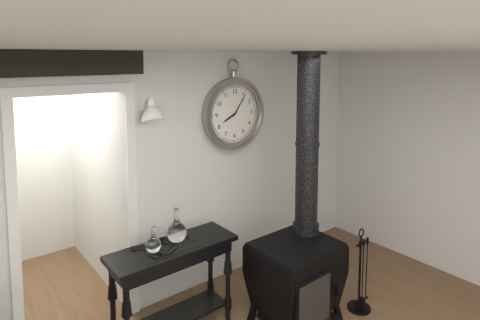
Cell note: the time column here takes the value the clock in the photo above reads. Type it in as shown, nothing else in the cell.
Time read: 8:06
